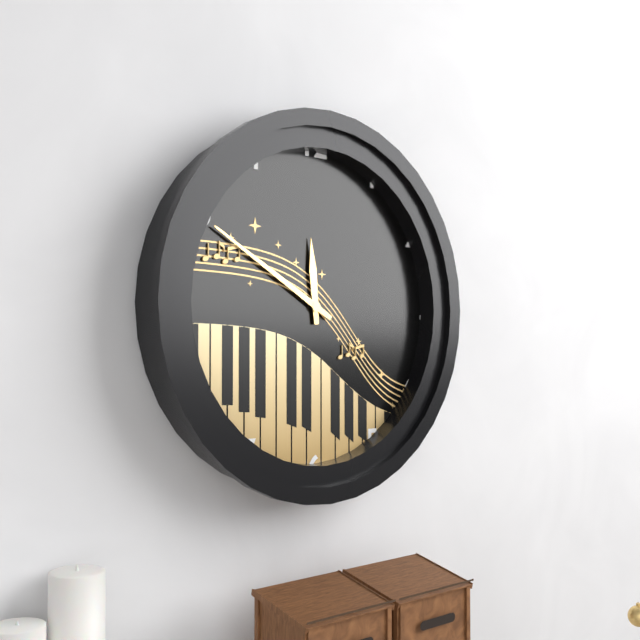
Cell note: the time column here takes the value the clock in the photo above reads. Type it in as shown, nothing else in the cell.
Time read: 11:50
